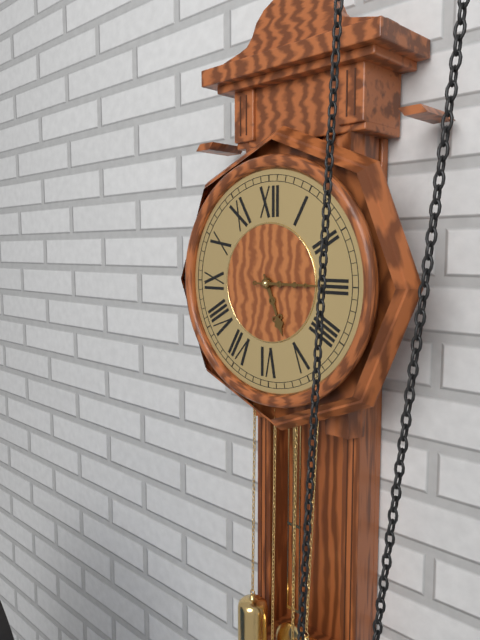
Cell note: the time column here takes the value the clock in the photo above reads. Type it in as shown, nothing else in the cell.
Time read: 5:15
